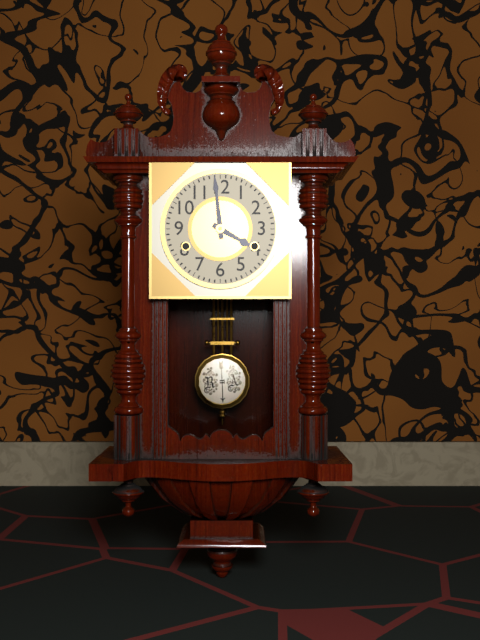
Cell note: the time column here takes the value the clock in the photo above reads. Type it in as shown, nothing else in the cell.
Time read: 3:59
